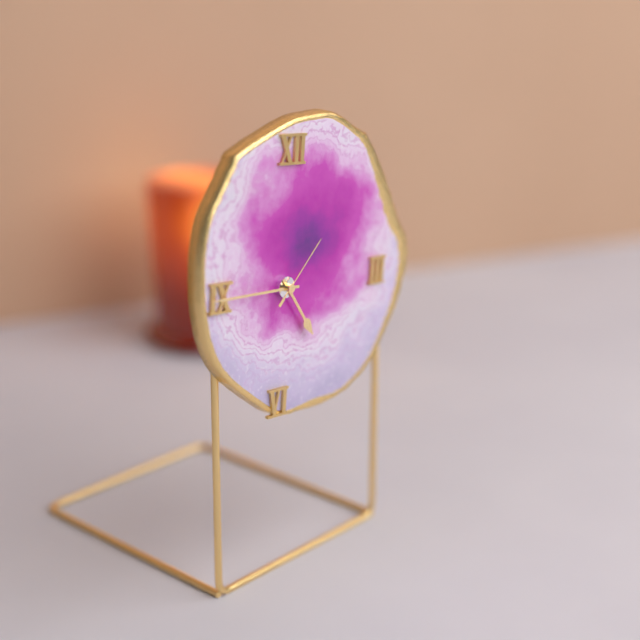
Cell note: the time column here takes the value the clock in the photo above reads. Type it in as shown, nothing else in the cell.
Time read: 4:45:07
